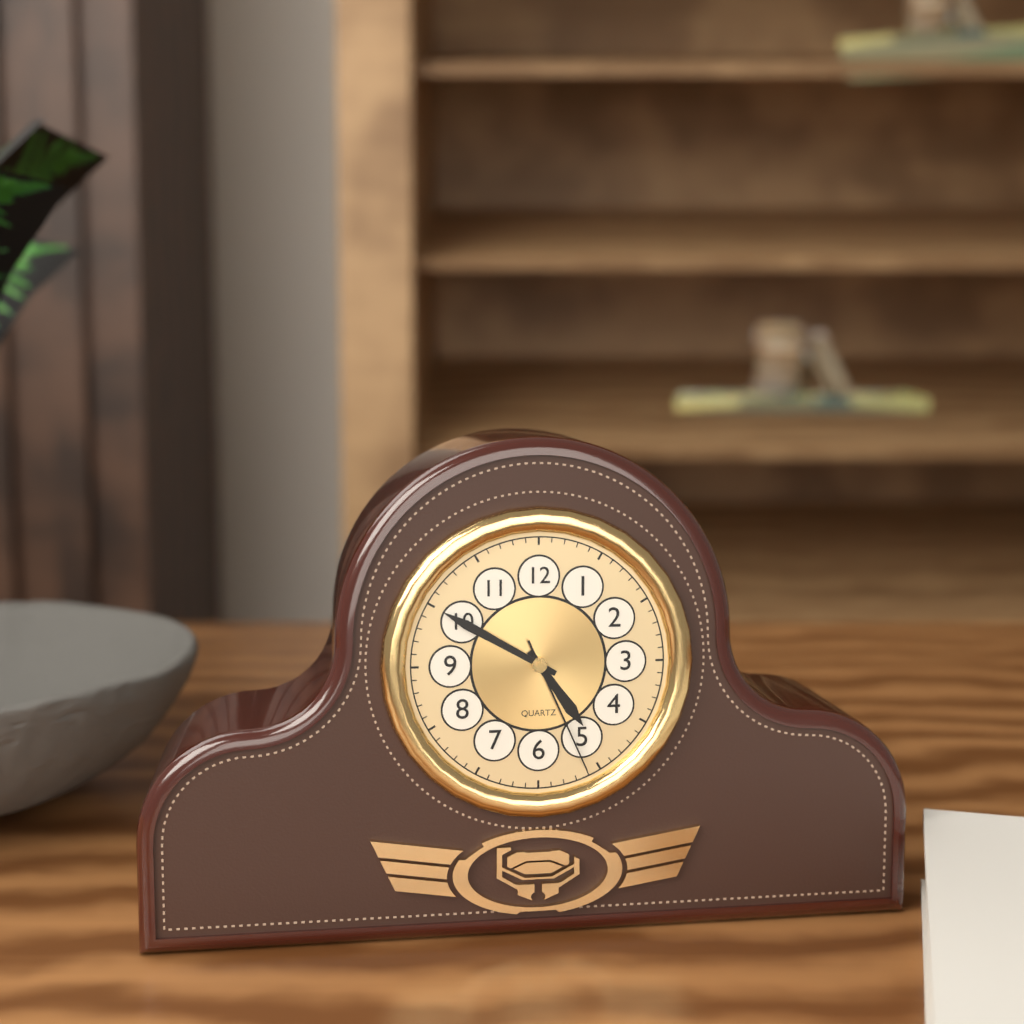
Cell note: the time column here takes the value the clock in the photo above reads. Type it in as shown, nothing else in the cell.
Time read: 4:50:26
